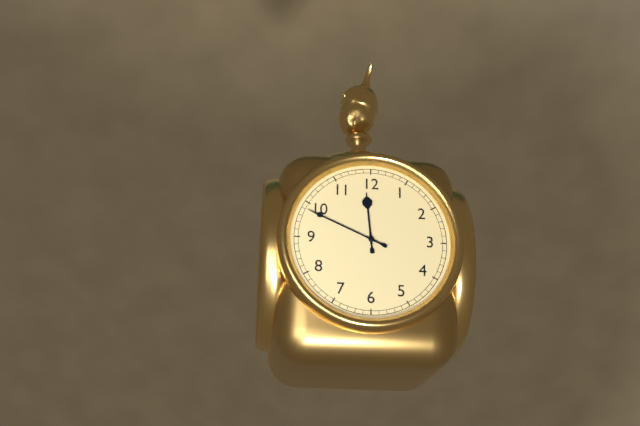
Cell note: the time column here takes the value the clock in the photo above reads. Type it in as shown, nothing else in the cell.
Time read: 11:49
